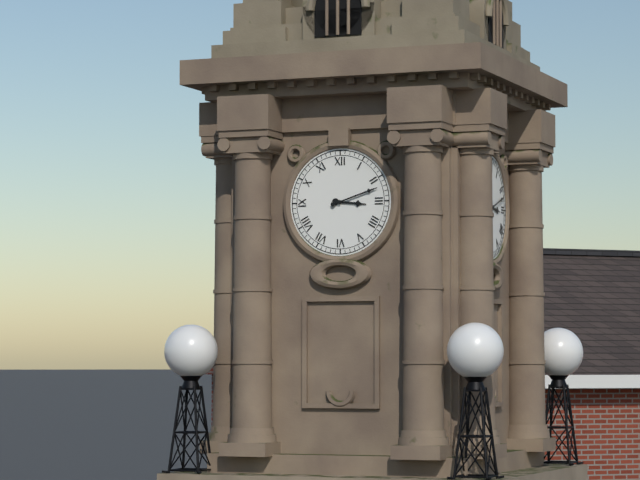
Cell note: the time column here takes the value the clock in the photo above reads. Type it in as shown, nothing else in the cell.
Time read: 3:12
